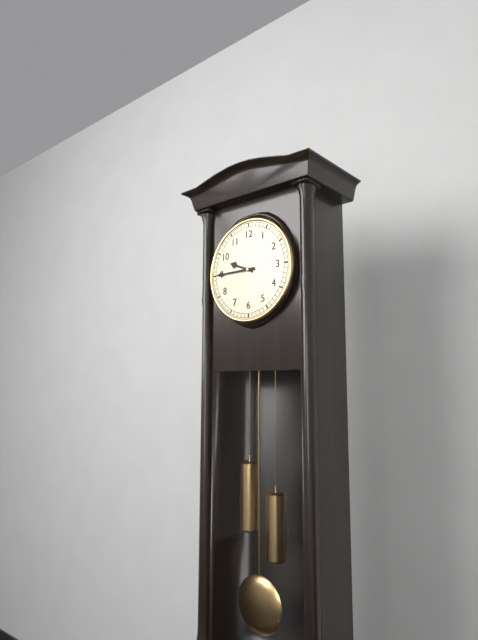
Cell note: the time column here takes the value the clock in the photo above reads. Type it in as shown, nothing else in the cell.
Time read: 9:45
